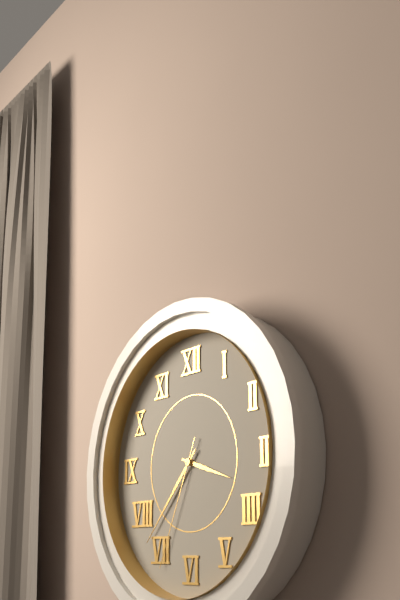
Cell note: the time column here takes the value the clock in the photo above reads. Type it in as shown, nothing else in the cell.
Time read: 3:37:34
